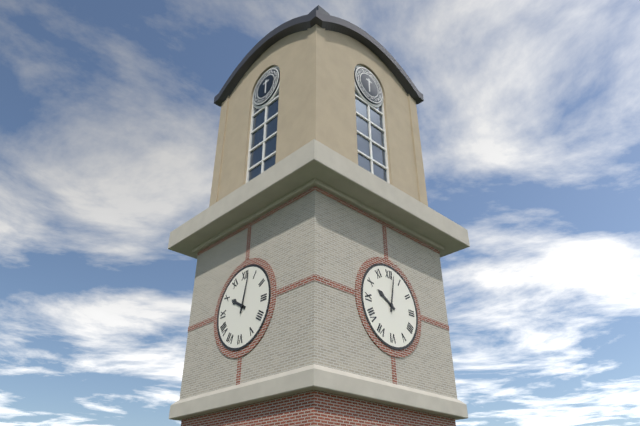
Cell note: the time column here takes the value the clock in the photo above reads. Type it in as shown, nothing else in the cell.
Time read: 10:02
